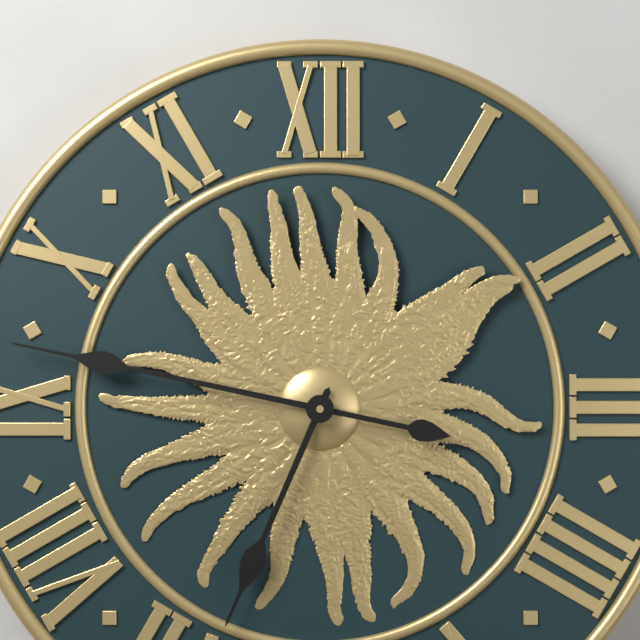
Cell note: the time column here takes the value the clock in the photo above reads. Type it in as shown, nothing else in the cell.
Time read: 6:47
